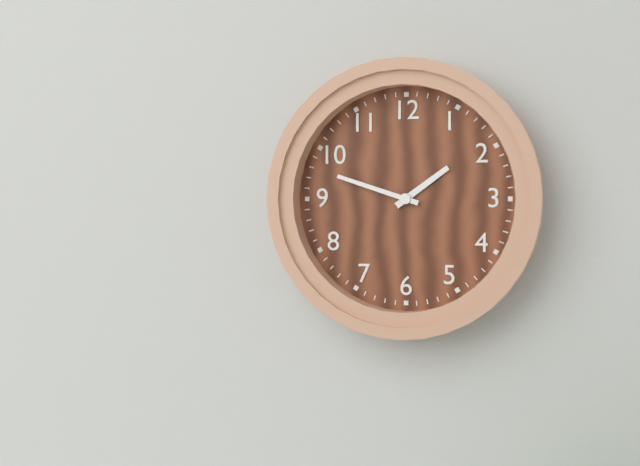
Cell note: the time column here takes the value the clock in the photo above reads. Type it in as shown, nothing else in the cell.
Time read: 1:48
